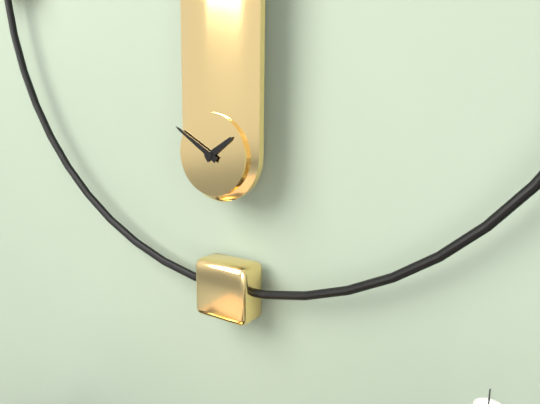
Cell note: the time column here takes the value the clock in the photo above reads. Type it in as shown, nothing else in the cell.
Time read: 1:50
